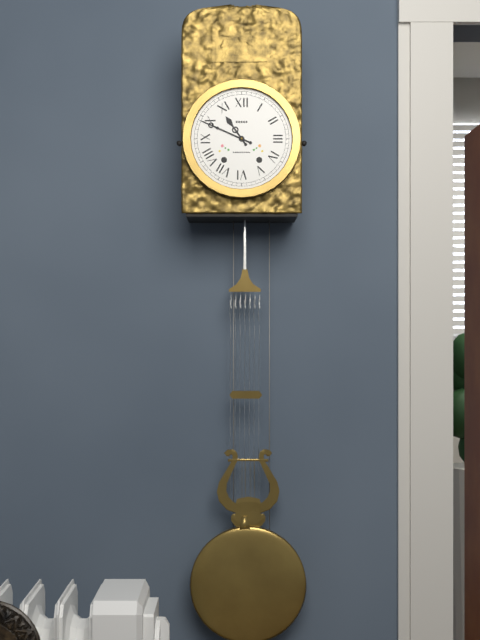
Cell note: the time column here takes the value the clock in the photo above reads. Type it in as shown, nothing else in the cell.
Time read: 10:49
